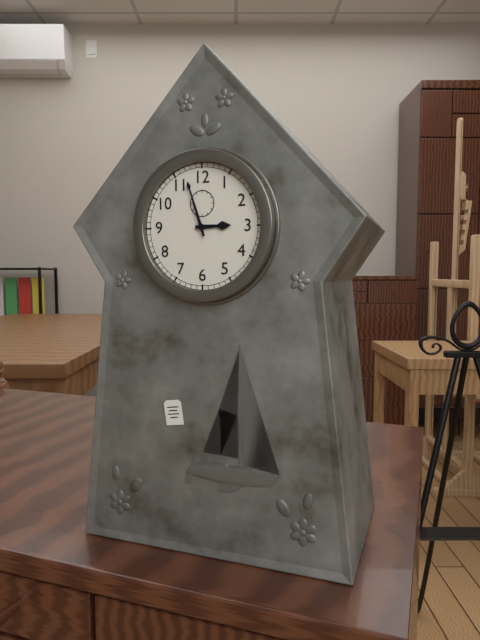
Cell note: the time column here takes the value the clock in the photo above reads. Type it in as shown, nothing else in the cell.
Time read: 2:57
